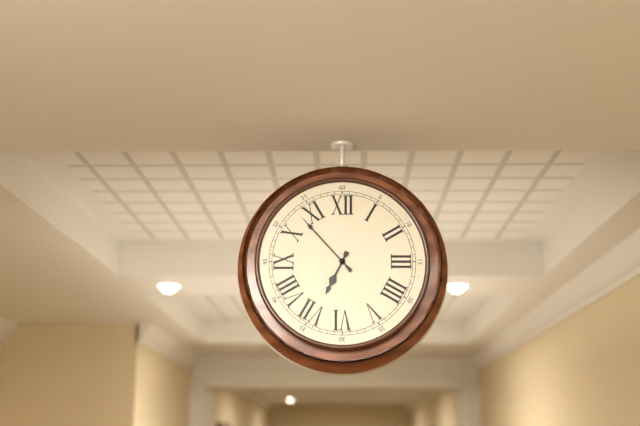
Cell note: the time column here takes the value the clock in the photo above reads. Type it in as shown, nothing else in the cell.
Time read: 6:53
